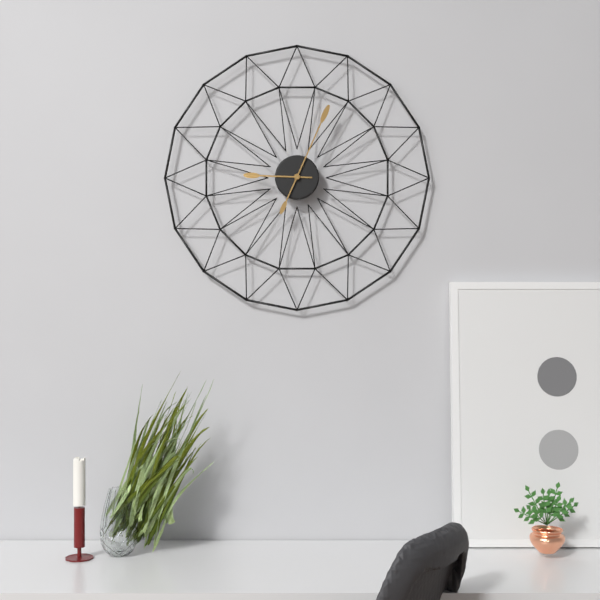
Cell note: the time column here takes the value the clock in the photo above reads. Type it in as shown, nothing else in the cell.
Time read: 9:04
